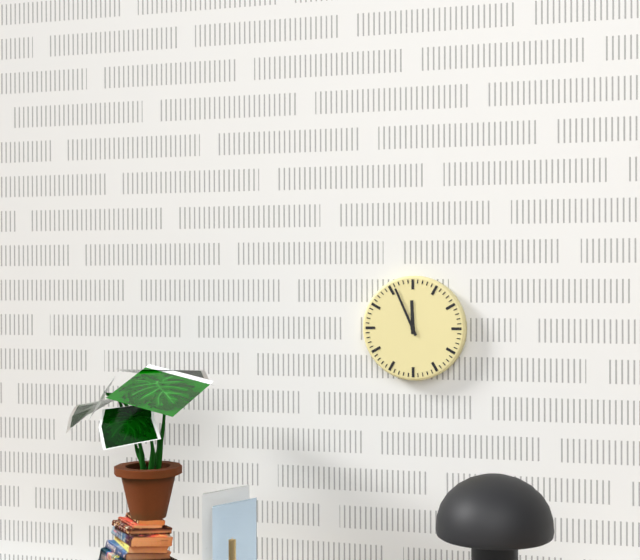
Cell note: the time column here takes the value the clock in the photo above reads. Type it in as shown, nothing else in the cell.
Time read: 11:56
